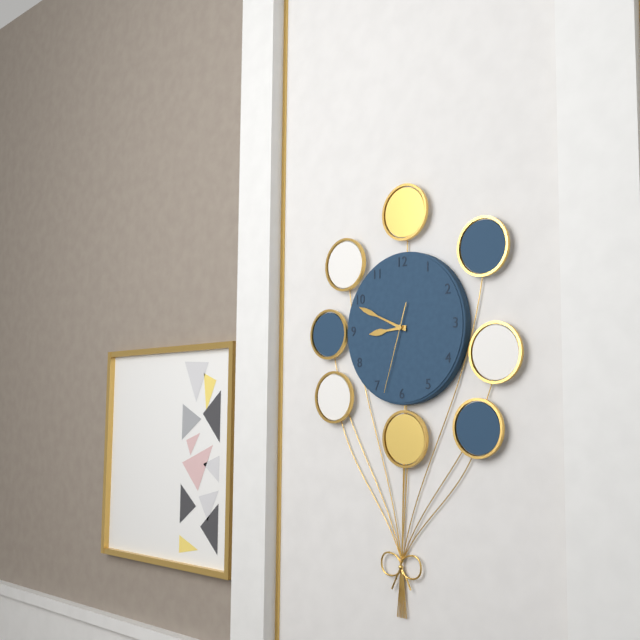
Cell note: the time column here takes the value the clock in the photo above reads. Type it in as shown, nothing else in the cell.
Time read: 8:49:33
